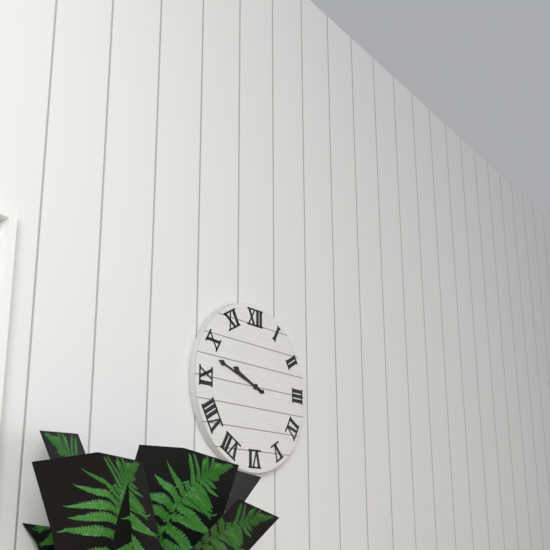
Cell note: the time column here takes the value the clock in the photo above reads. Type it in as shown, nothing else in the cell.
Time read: 9:48
